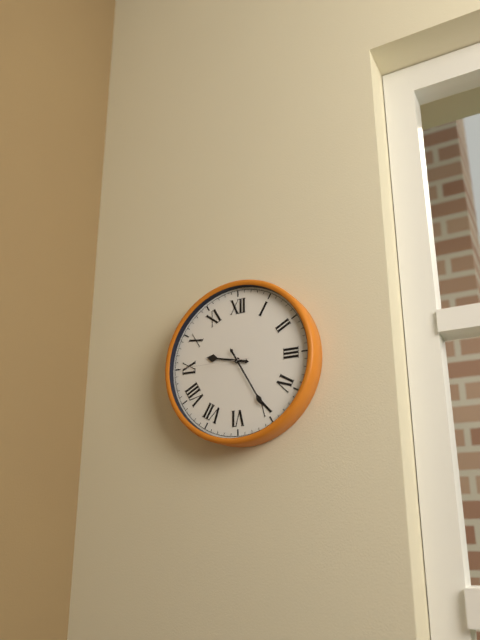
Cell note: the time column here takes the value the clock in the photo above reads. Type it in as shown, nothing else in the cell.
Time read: 9:25:45
